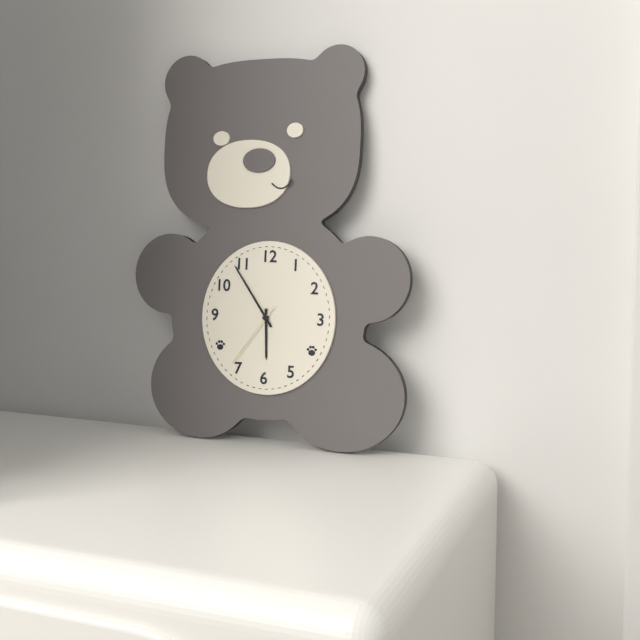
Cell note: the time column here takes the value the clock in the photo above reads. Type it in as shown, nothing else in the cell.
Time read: 5:54:36
